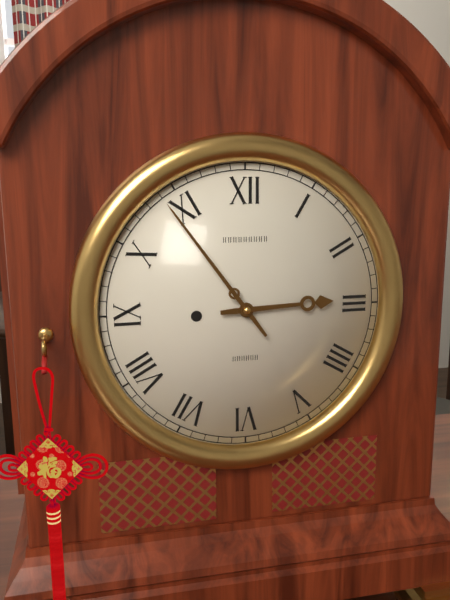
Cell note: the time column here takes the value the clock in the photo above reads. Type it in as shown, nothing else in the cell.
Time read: 2:54
